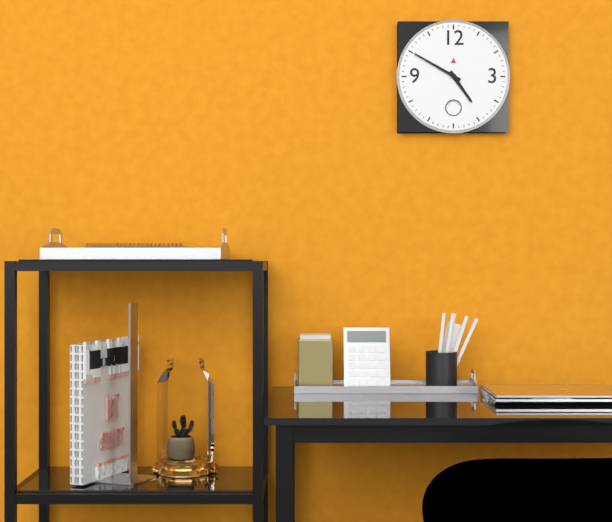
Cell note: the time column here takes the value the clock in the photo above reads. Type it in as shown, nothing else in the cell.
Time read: 4:50
